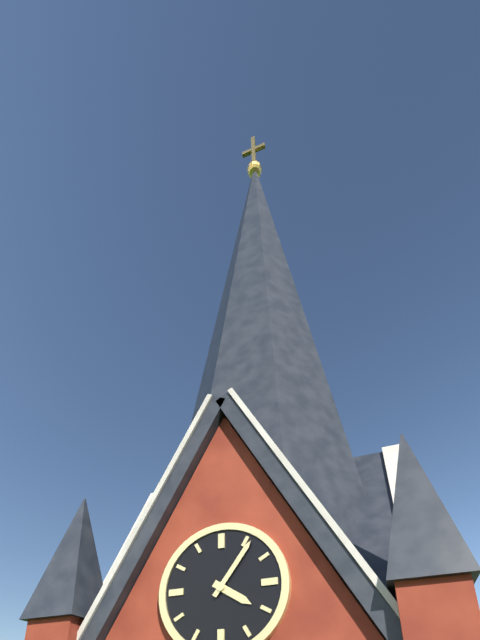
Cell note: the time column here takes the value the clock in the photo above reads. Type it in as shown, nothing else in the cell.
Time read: 4:06
